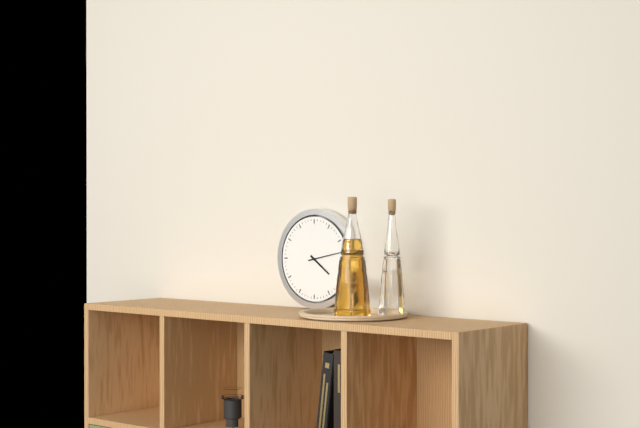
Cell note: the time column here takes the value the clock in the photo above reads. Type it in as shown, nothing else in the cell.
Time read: 4:13
